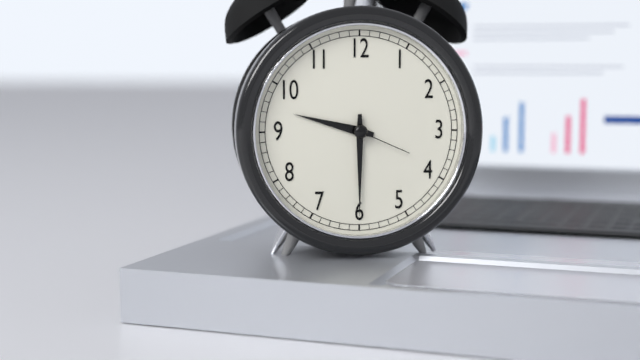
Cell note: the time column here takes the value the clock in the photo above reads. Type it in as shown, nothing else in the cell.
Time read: 9:30:19
